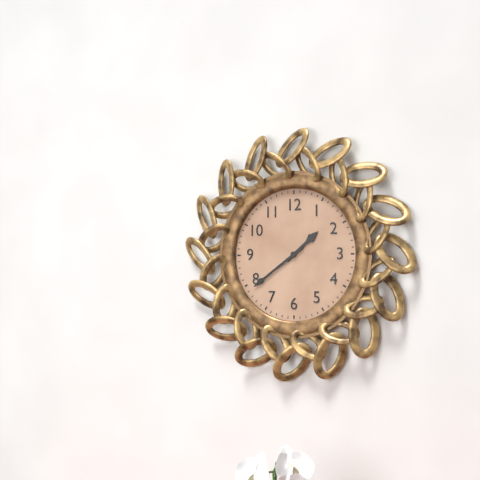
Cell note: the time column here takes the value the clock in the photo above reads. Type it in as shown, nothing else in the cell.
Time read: 1:39
